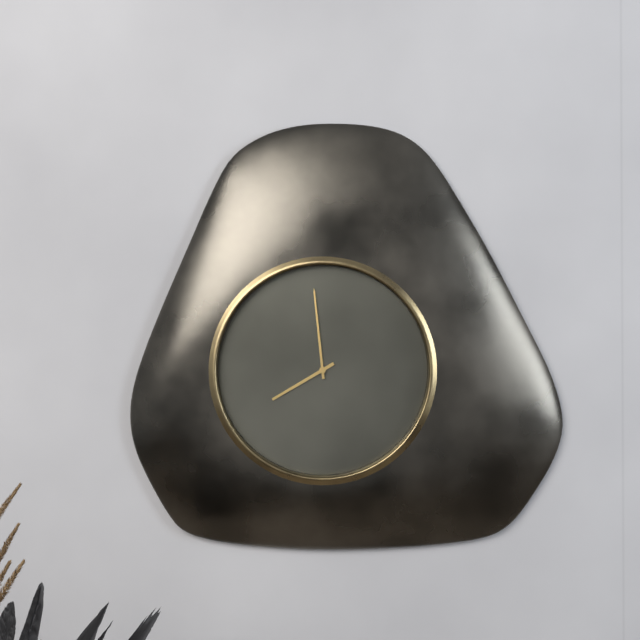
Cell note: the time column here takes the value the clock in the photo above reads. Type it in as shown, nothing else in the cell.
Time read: 7:59
